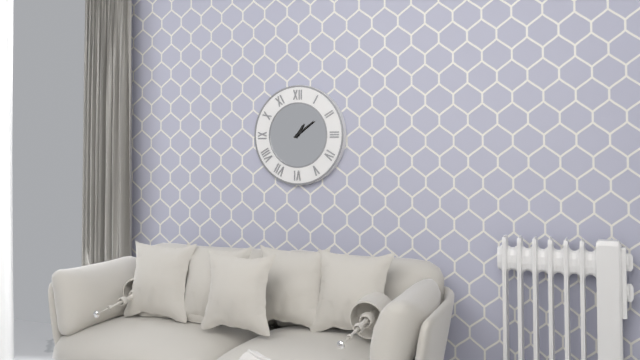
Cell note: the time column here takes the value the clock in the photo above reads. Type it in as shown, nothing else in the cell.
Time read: 1:09
